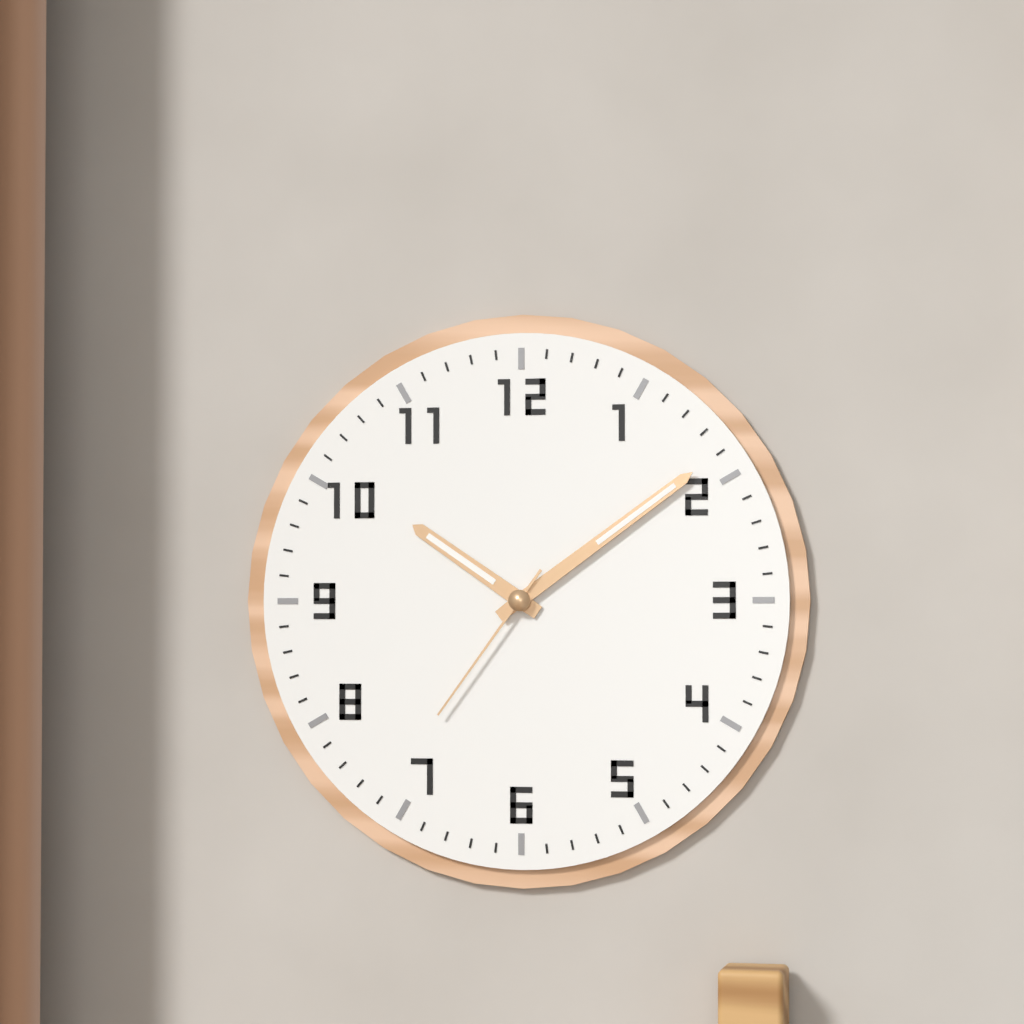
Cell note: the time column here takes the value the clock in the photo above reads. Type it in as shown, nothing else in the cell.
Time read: 10:09:36
